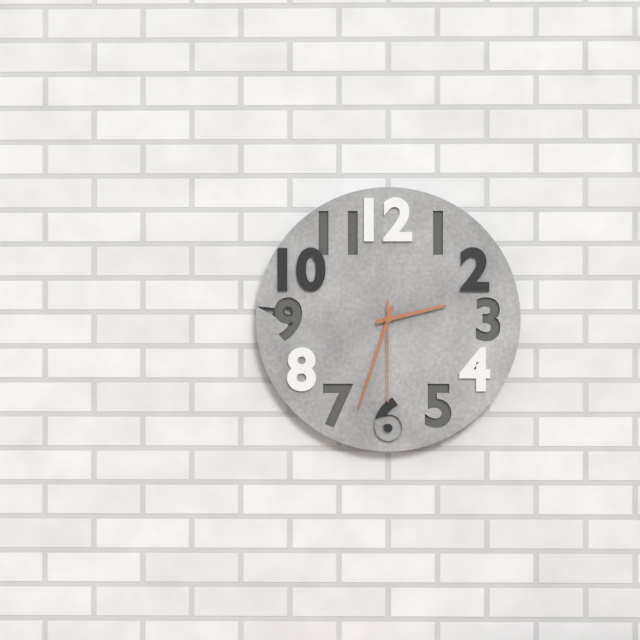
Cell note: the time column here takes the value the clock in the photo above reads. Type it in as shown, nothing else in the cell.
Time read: 2:33:30
